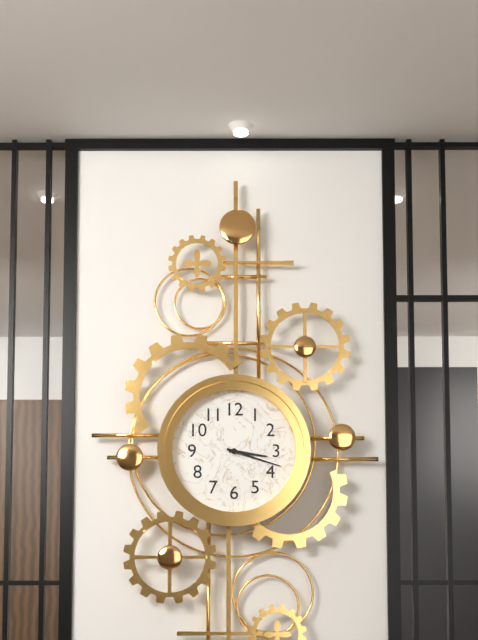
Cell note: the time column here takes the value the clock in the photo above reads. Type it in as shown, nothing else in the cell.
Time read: 3:18
